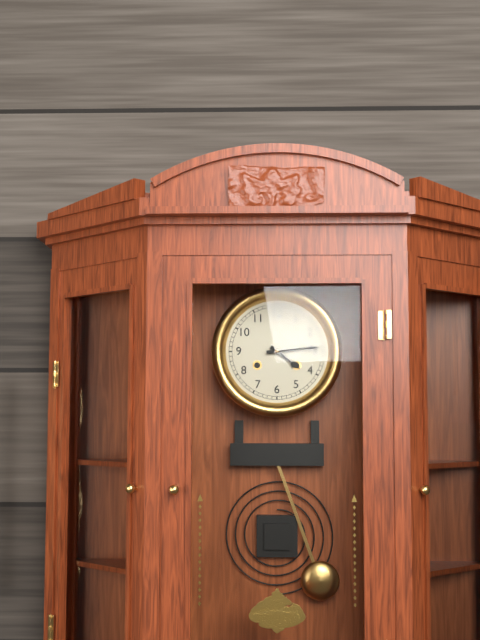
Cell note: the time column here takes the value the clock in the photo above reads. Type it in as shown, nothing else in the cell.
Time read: 4:14
